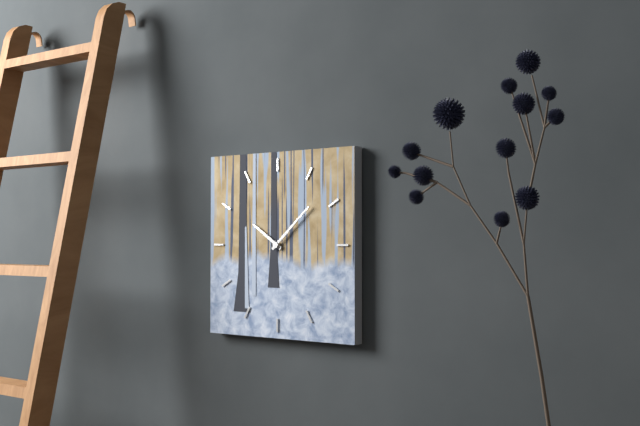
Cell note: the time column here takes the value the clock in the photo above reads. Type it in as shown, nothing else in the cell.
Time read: 10:08
